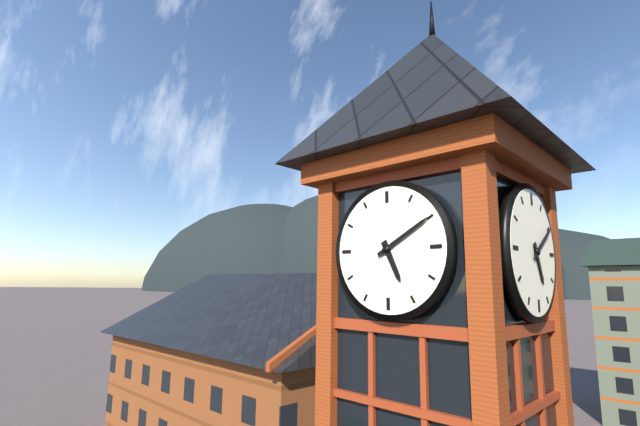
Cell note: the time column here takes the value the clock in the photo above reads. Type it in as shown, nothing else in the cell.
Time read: 5:10
